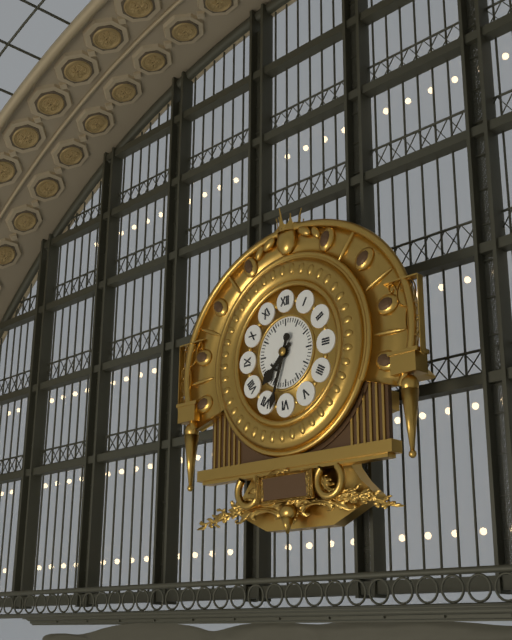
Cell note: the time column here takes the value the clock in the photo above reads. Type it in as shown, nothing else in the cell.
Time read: 7:33
